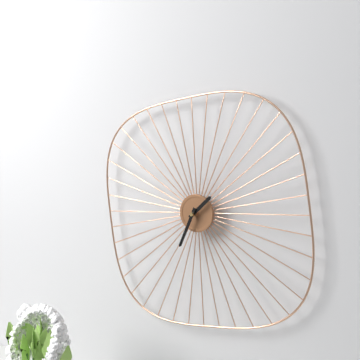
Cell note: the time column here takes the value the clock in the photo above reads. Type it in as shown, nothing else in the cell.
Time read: 1:34
